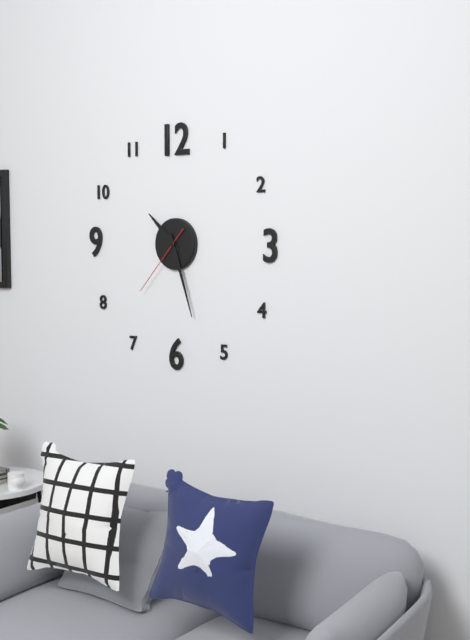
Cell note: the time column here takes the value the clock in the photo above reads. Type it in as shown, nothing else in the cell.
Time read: 10:27:37
